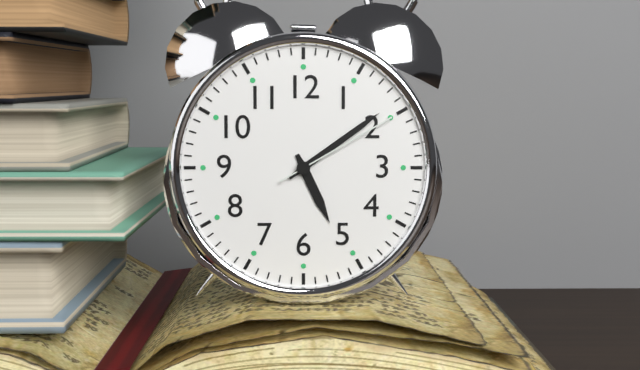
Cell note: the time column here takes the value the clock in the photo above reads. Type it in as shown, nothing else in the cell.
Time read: 5:09:10
